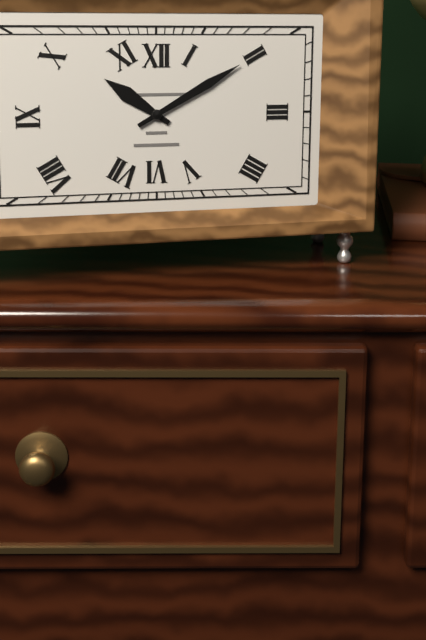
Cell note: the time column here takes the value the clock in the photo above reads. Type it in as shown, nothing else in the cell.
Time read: 10:10
